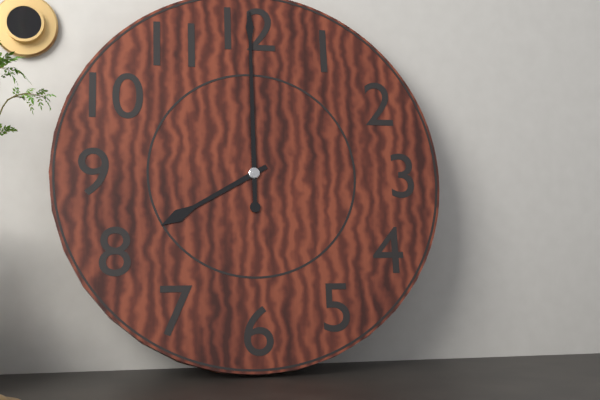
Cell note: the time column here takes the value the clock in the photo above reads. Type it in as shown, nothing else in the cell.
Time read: 8:00
